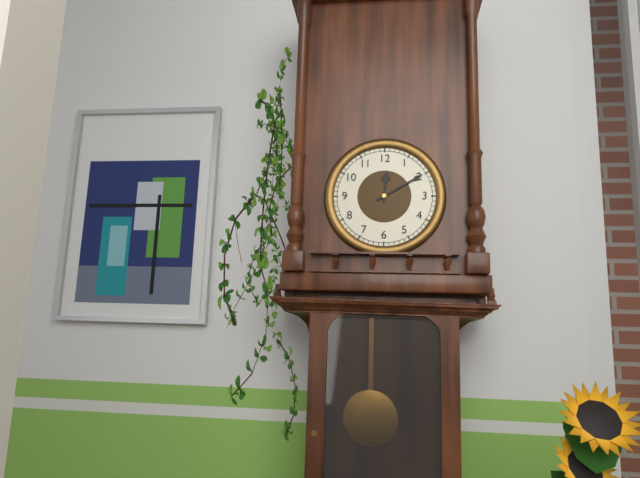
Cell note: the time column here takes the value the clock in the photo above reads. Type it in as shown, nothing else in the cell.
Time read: 12:10
